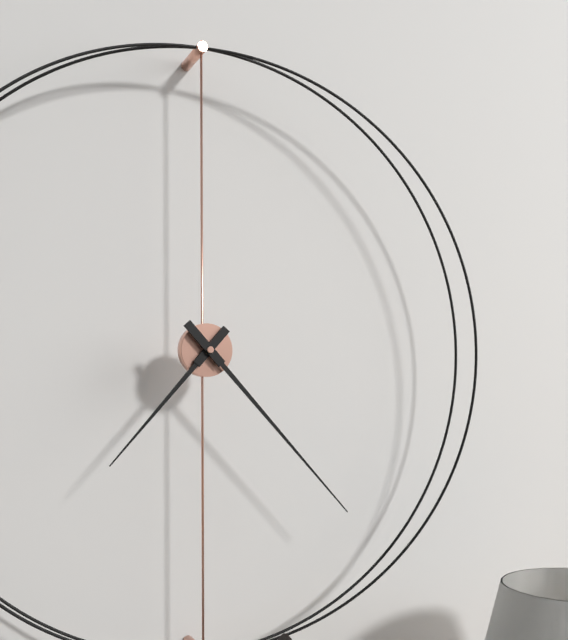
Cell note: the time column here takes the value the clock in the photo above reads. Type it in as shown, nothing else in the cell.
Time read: 7:23
